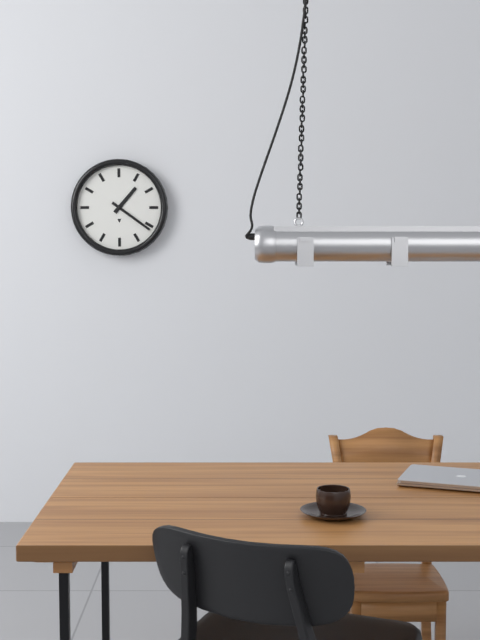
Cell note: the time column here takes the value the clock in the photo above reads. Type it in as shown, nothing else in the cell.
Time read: 1:21
